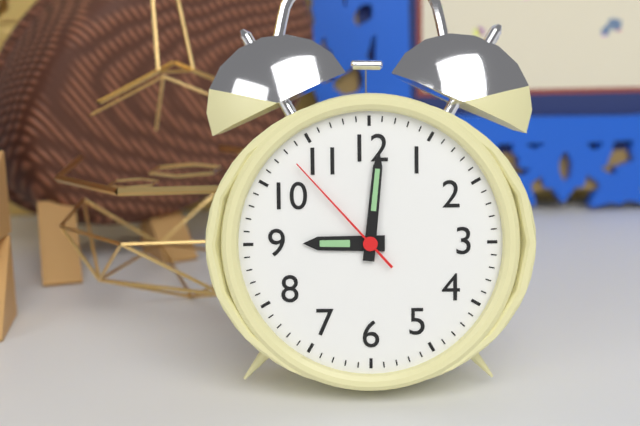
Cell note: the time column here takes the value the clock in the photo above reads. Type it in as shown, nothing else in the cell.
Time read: 9:01:53
